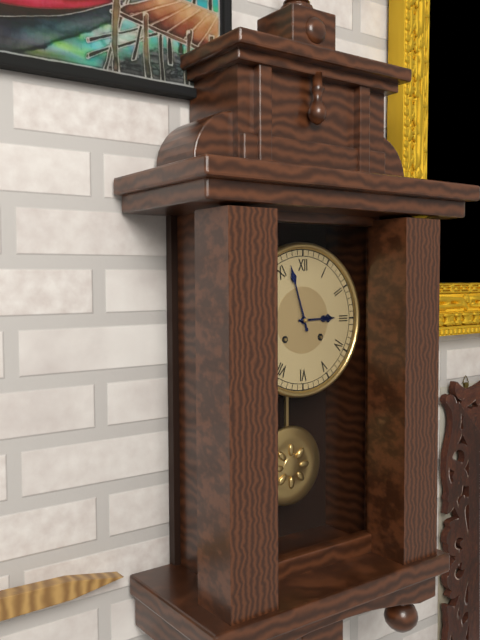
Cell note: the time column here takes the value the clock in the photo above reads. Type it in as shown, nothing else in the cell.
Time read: 2:57
